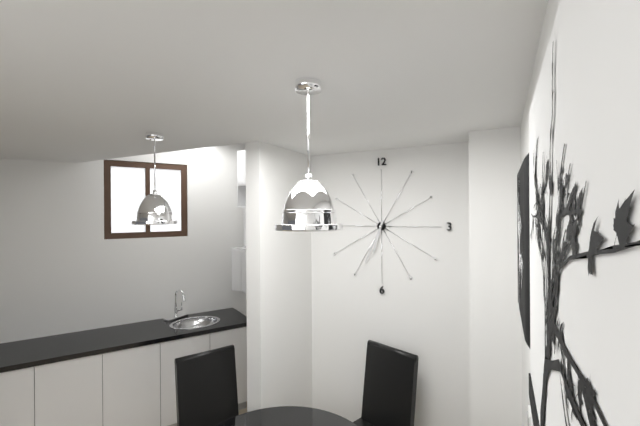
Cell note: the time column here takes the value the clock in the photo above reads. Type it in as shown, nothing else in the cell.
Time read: 6:34
